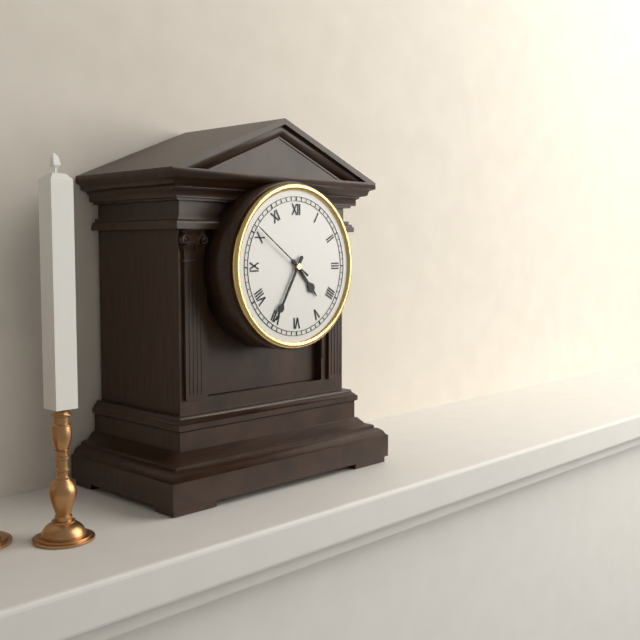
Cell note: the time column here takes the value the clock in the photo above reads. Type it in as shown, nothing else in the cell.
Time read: 4:35:51
